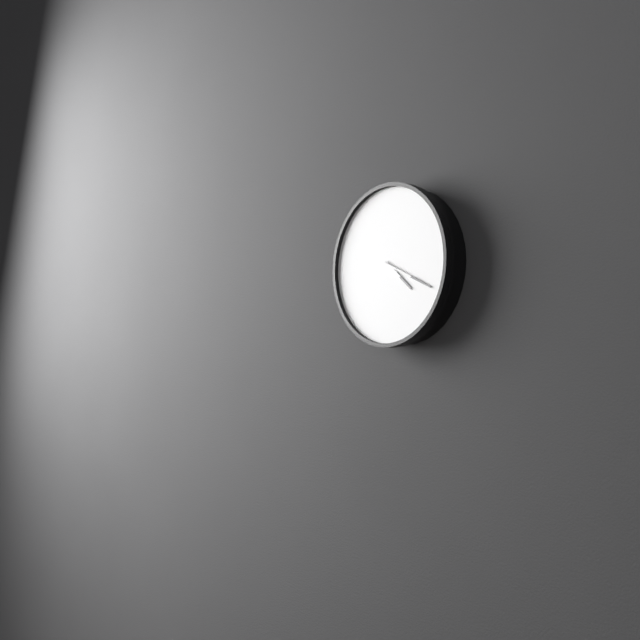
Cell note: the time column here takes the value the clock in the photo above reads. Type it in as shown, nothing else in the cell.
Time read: 4:19
